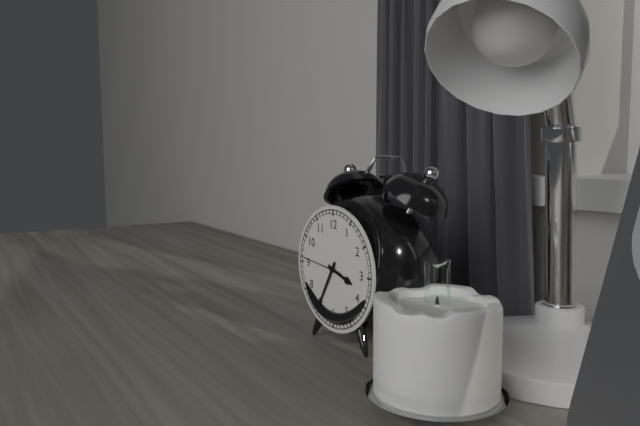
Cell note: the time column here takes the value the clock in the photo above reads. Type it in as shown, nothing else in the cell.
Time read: 3:35
